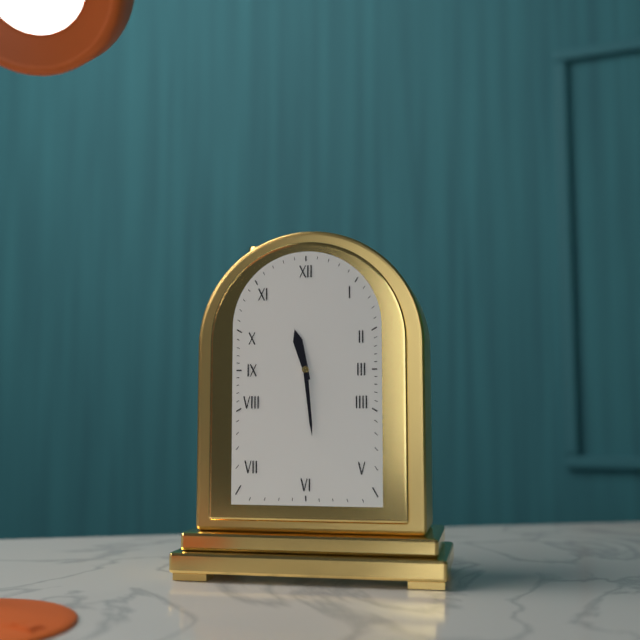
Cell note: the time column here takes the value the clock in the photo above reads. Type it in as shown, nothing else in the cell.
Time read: 11:29
